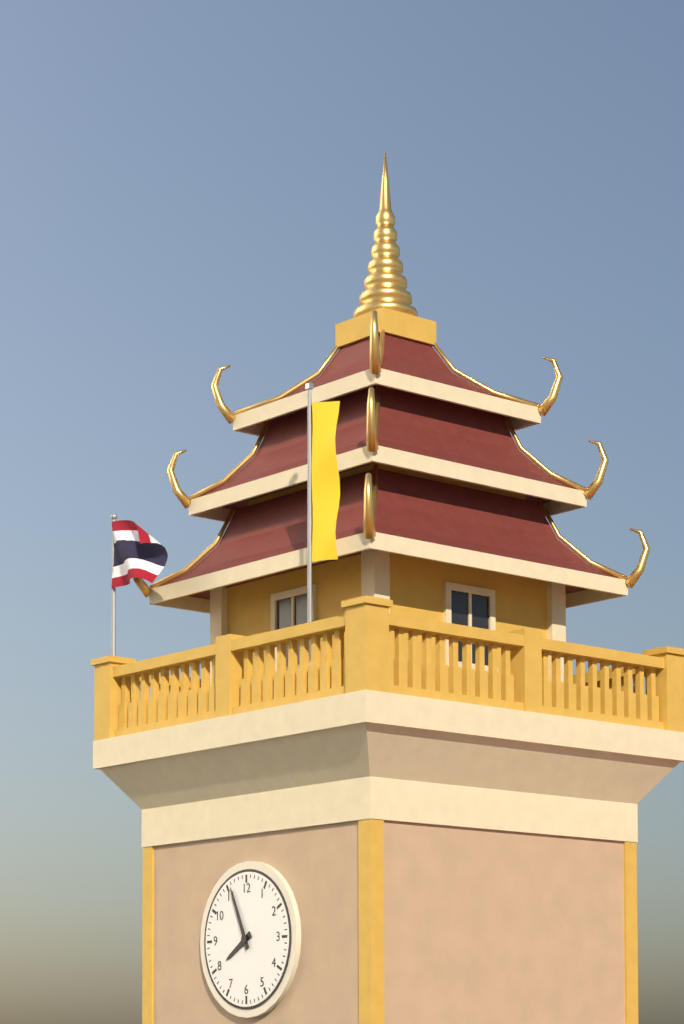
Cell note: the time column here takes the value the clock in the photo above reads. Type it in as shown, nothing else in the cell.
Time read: 7:56
